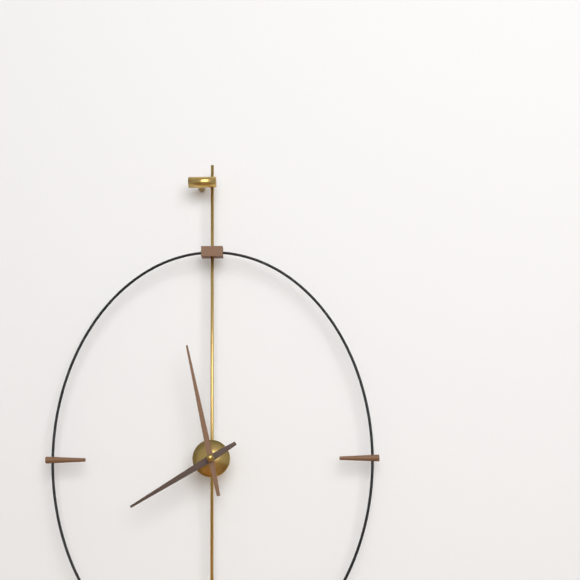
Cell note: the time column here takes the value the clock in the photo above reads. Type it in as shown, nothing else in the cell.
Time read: 7:58
